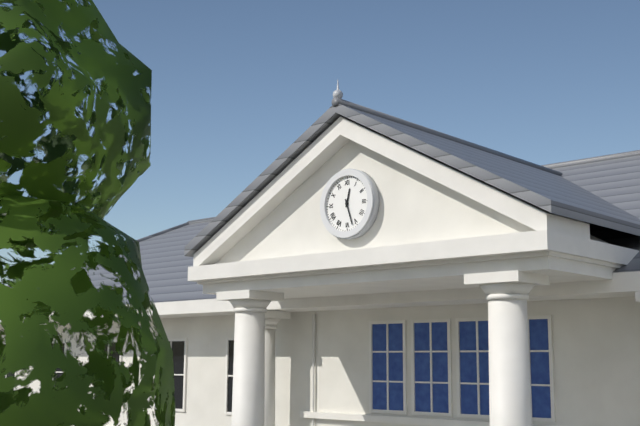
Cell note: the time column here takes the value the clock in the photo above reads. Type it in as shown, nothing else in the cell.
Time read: 12:27
